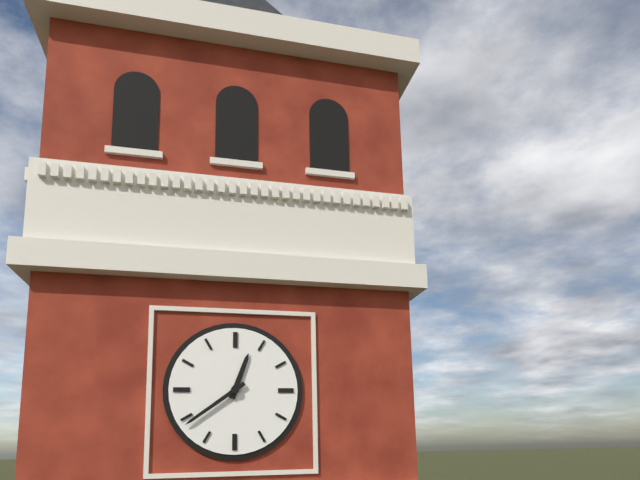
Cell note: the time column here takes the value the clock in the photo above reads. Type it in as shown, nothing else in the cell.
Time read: 12:39
